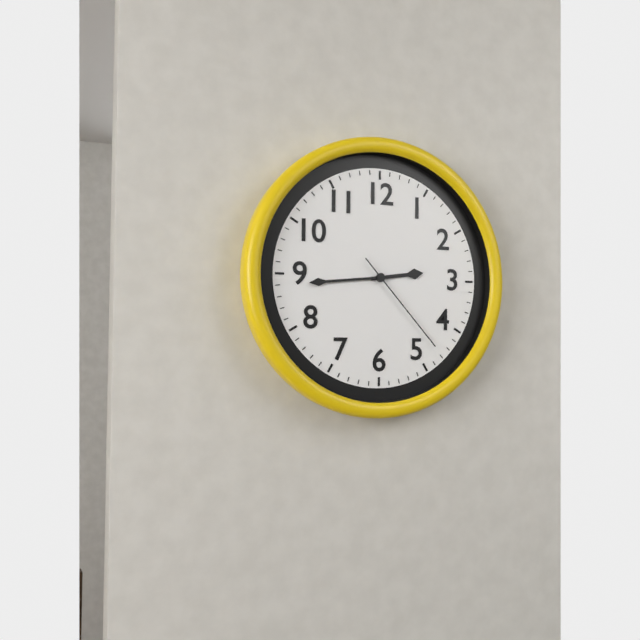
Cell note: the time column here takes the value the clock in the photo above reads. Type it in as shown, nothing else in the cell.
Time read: 2:44:23
